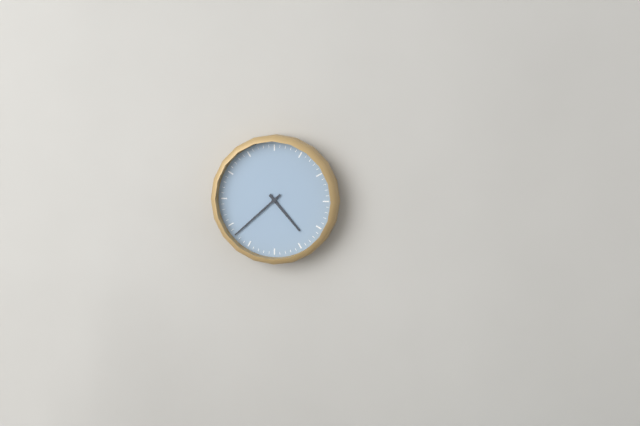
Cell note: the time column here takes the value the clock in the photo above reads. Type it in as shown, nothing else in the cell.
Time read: 4:38
